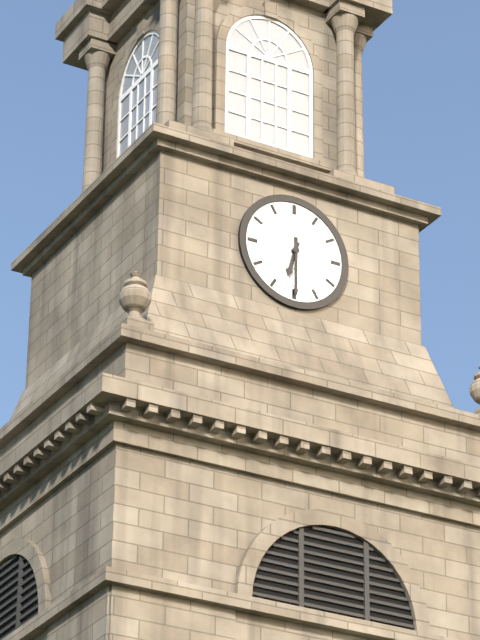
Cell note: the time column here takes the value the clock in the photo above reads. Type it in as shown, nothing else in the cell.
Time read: 6:30
